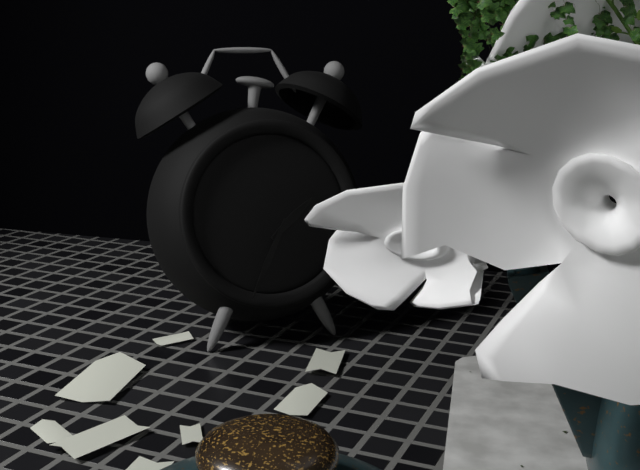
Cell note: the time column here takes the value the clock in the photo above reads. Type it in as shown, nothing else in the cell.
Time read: 1:34
